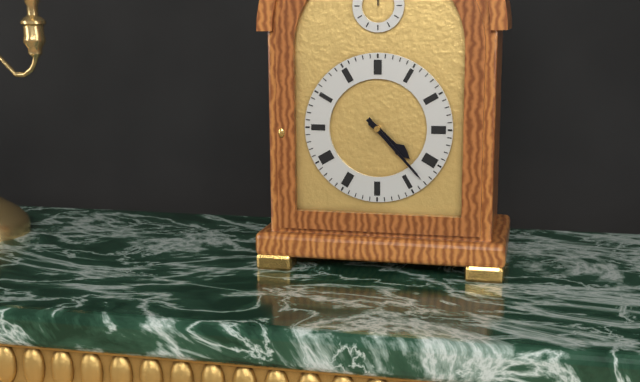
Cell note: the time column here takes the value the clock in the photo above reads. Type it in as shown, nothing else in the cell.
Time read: 4:23
